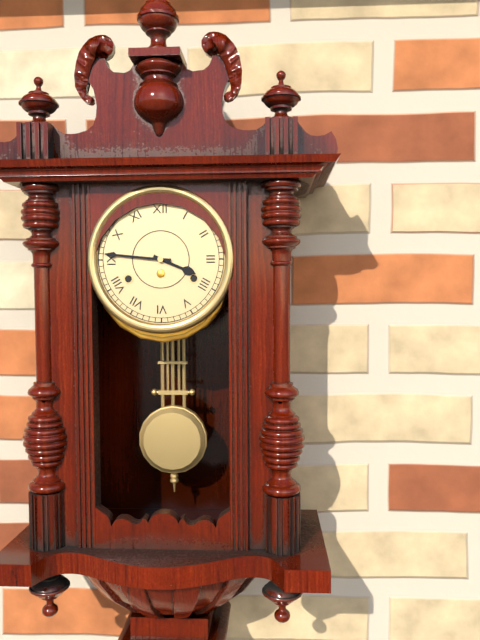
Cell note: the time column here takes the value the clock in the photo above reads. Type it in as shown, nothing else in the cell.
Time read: 3:46
